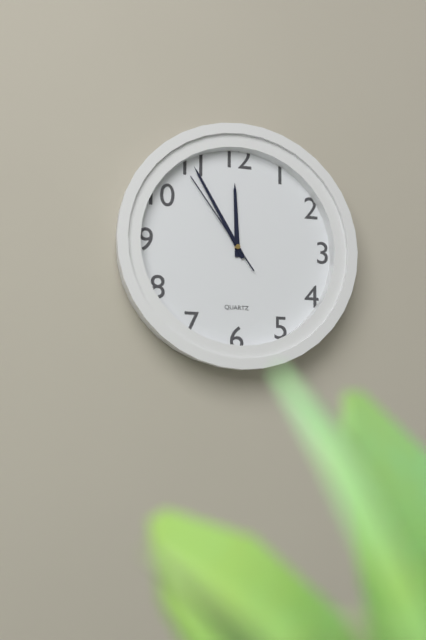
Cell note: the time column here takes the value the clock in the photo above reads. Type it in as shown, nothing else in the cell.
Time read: 11:55:54
